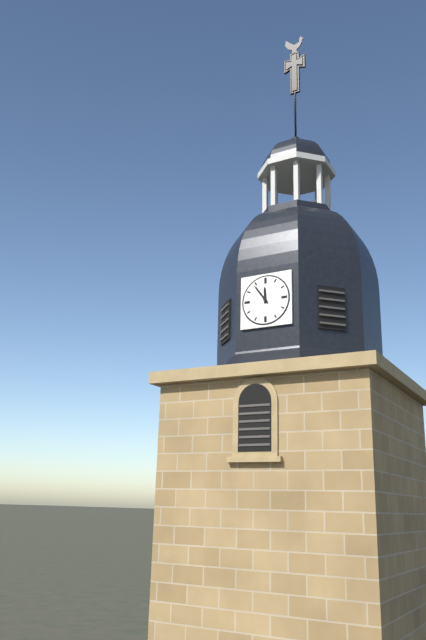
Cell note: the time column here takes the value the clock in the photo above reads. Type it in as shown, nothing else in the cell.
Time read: 11:54
